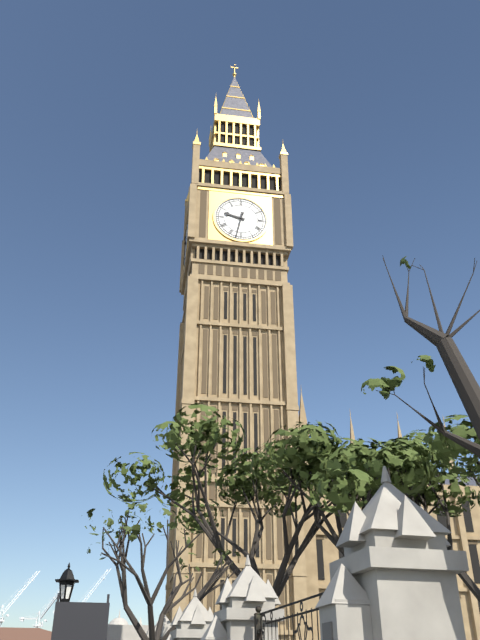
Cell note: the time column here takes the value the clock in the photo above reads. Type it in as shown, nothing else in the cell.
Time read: 9:32
